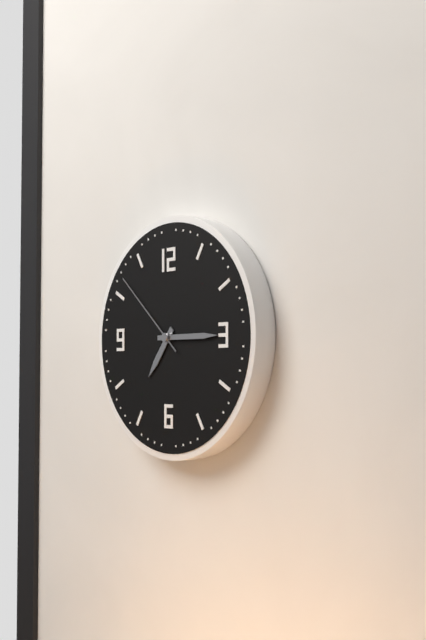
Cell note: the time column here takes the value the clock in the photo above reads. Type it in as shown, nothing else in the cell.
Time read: 7:15:52
